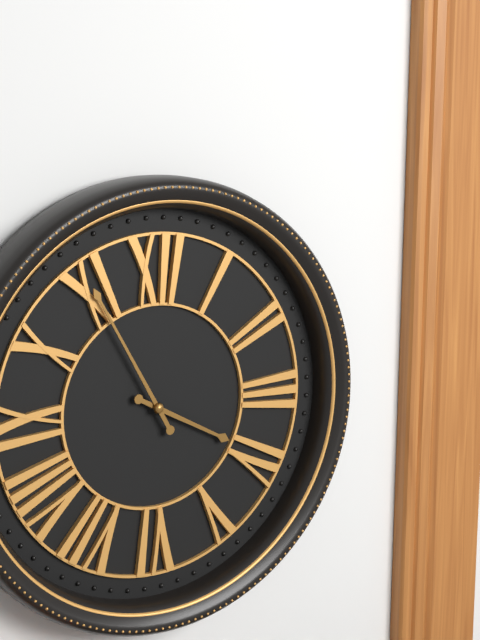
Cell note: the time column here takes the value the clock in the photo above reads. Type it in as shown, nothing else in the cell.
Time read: 3:55
